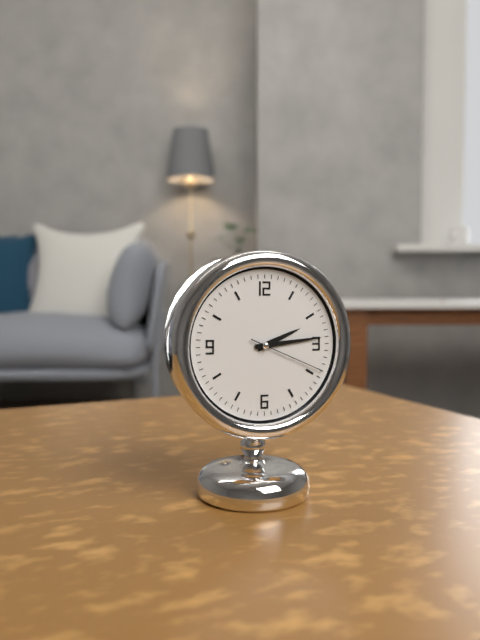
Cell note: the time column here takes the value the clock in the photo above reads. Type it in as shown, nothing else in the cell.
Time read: 2:14:19
